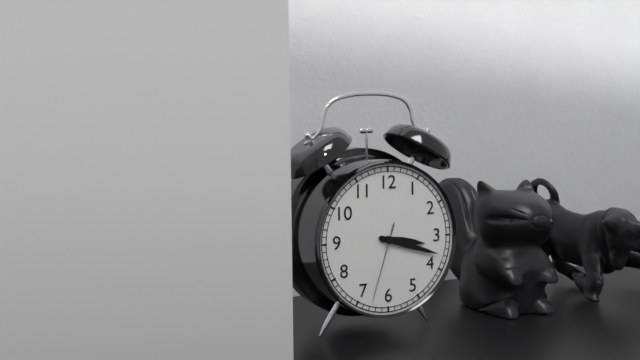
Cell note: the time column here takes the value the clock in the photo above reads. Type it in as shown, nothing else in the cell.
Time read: 3:18:33
